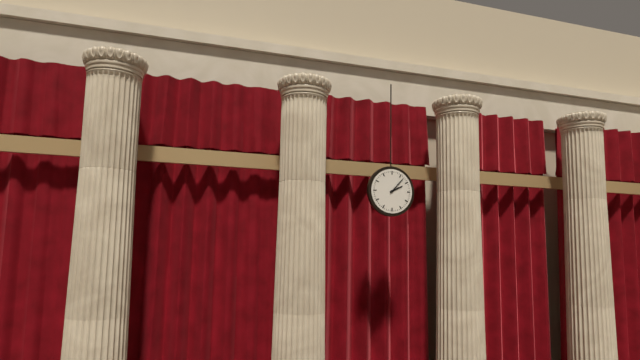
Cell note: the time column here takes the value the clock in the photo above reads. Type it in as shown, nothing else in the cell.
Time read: 2:07
